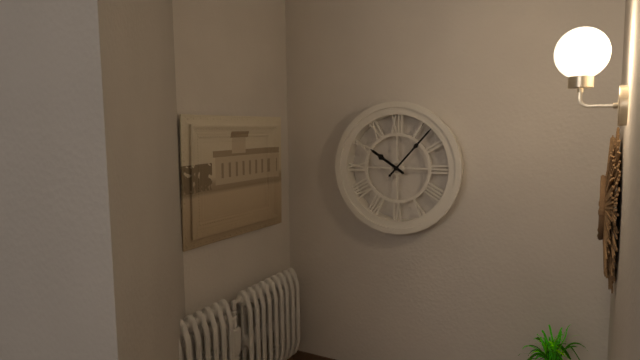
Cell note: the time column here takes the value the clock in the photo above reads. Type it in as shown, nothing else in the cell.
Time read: 10:07
